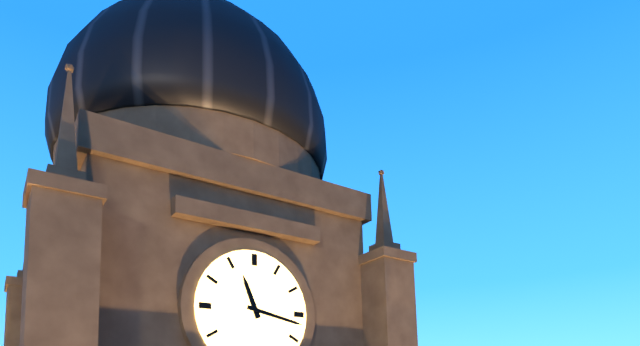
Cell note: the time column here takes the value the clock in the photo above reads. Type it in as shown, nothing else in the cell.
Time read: 11:17
